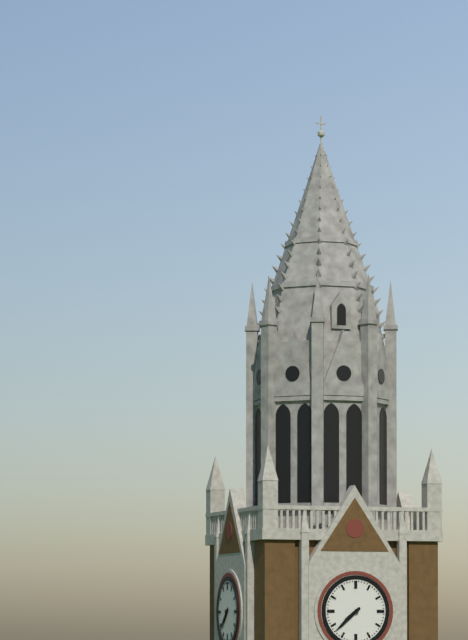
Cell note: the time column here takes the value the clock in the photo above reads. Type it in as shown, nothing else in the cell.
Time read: 7:38
